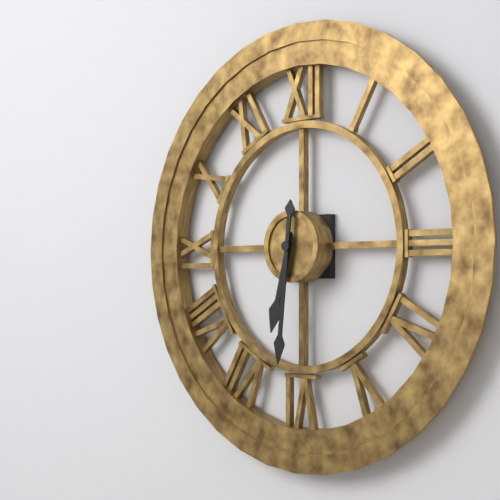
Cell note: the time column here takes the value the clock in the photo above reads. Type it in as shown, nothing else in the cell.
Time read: 6:31
